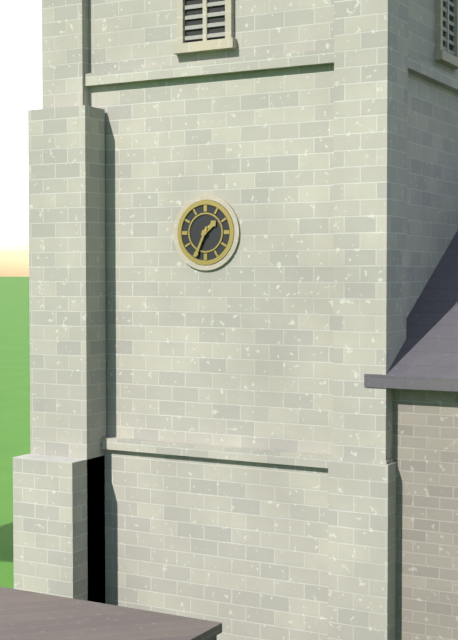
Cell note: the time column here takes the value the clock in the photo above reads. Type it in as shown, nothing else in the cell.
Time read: 1:34
